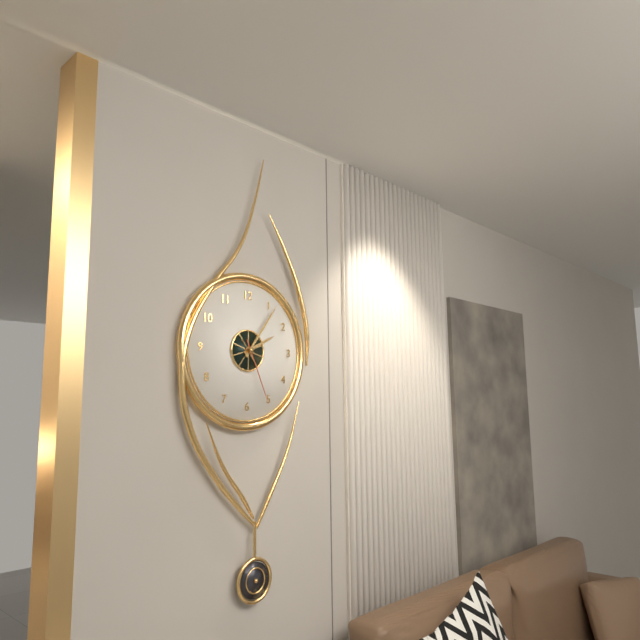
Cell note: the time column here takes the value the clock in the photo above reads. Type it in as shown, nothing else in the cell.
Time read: 2:06:26
